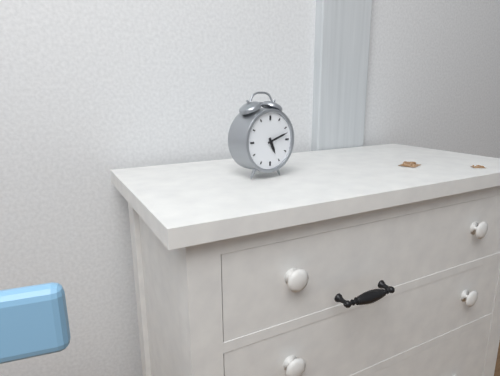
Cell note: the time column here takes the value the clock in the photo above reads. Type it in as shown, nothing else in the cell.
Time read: 5:12
